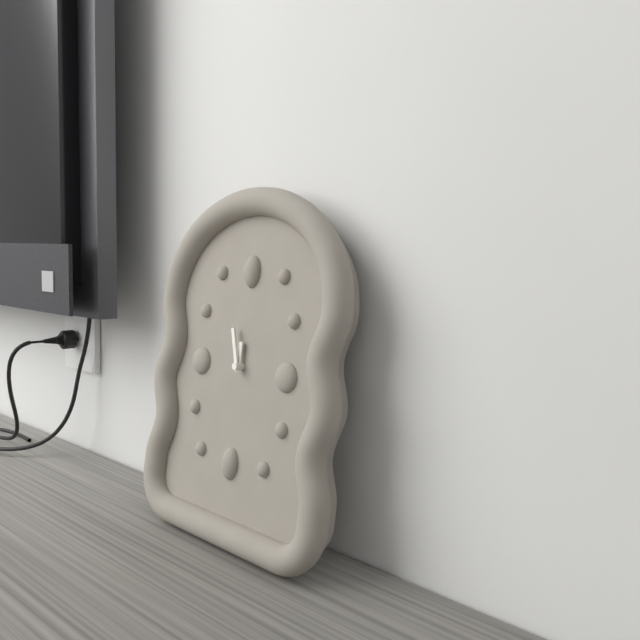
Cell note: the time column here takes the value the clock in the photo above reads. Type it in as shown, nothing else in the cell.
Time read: 11:57
